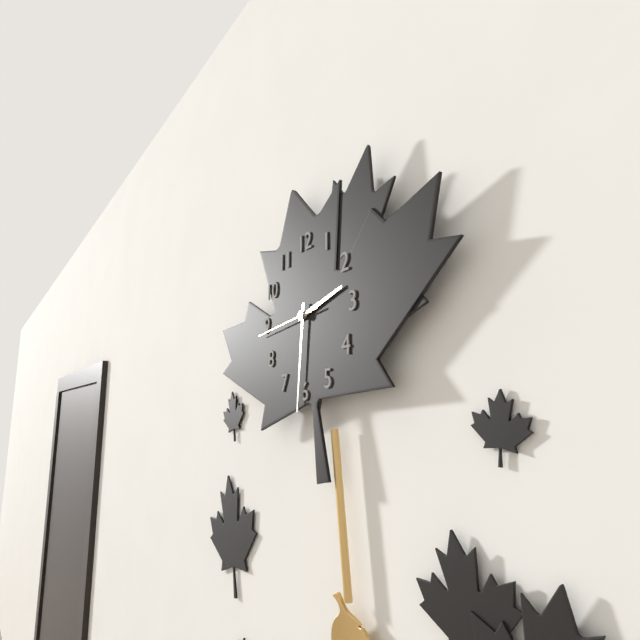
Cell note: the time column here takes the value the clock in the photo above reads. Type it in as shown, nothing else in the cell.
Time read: 2:31:44
